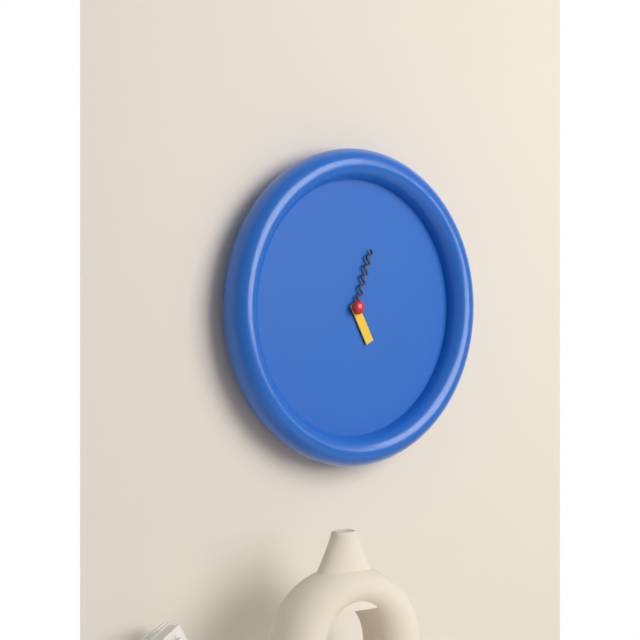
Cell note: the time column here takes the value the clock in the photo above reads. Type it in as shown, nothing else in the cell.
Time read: 5:03
